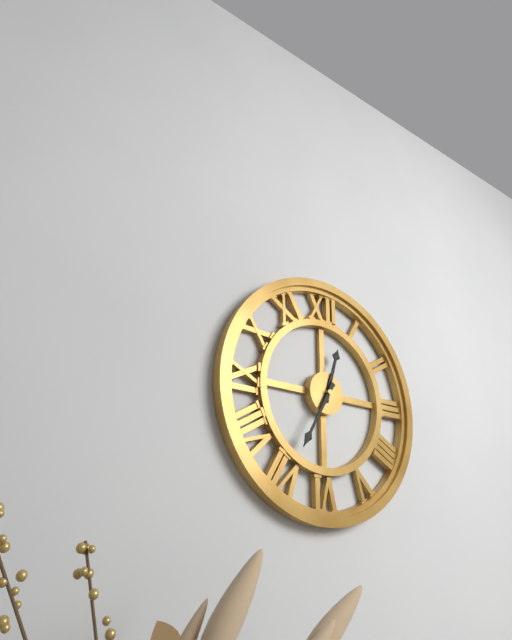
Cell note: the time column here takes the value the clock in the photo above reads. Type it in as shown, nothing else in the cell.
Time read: 12:35
